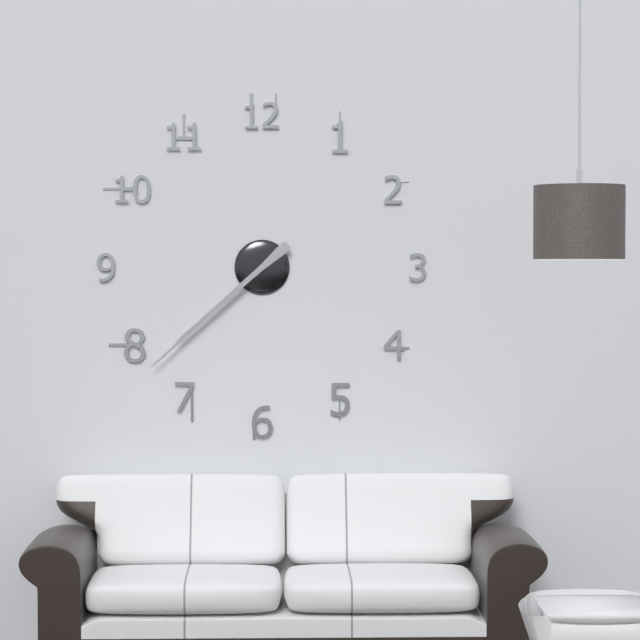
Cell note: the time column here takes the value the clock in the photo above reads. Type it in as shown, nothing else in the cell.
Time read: 7:38
